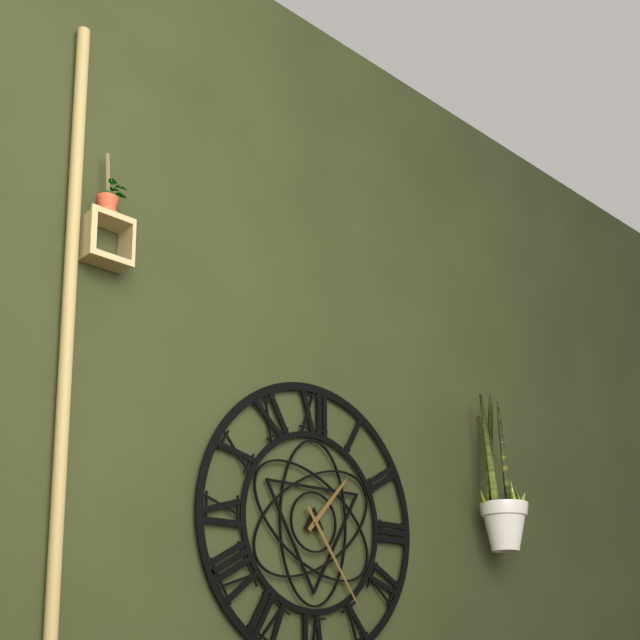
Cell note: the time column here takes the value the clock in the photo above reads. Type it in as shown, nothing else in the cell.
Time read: 1:24
